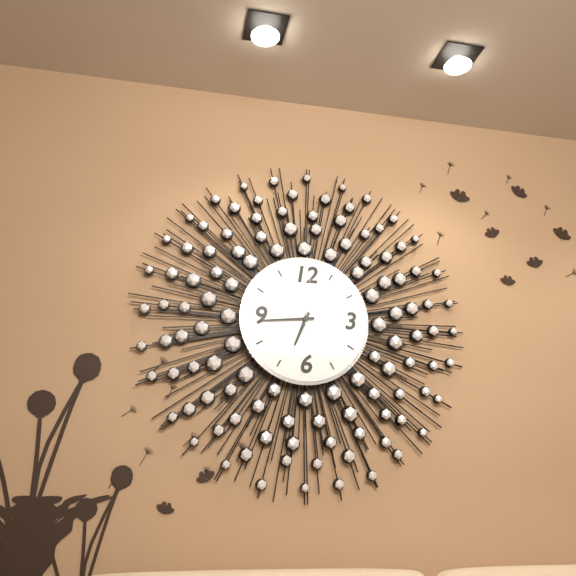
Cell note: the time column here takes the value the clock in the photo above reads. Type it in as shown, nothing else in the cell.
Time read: 6:44:01
